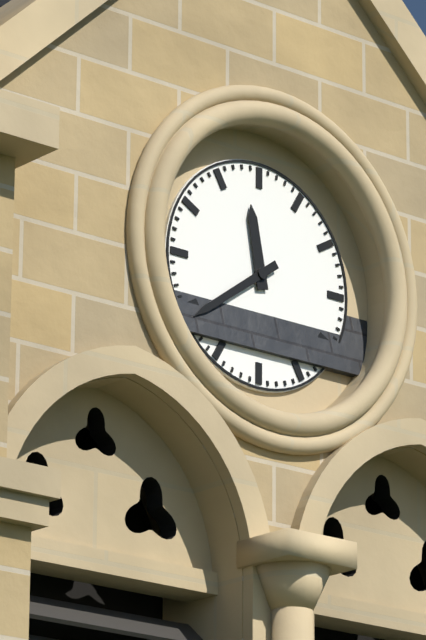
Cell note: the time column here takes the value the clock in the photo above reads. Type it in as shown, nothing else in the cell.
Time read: 11:39
